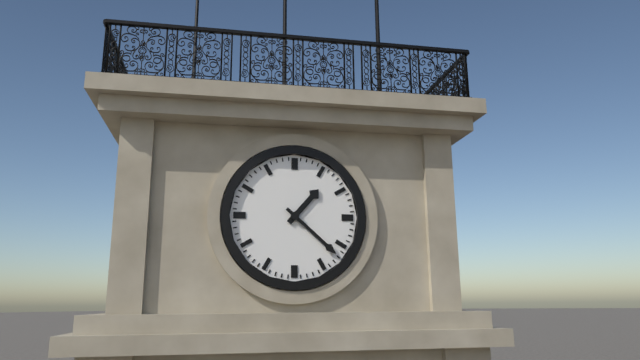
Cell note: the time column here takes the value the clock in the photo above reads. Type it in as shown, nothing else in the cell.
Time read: 1:22
